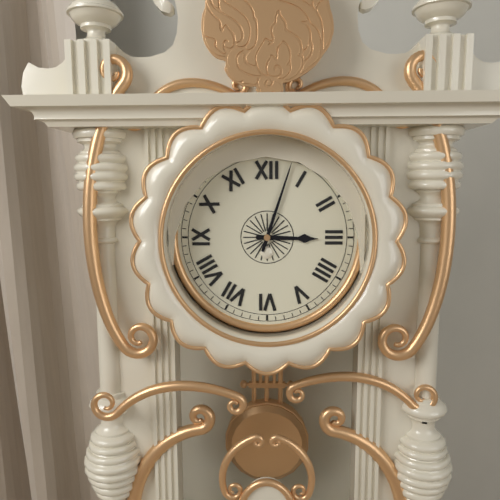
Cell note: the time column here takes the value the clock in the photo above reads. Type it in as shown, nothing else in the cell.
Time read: 3:03
